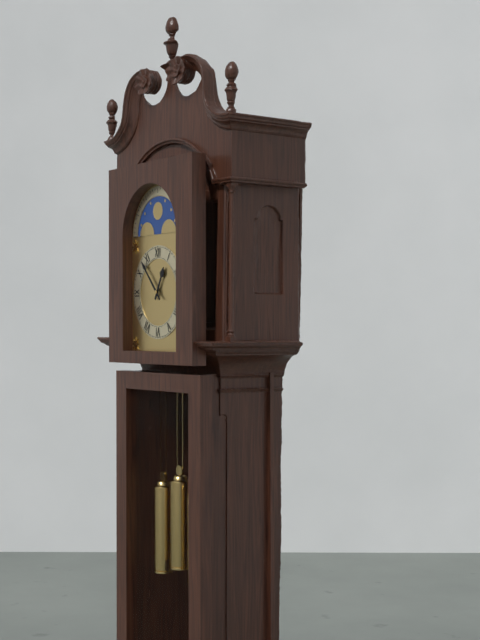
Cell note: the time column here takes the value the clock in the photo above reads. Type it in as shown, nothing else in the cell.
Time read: 12:53
